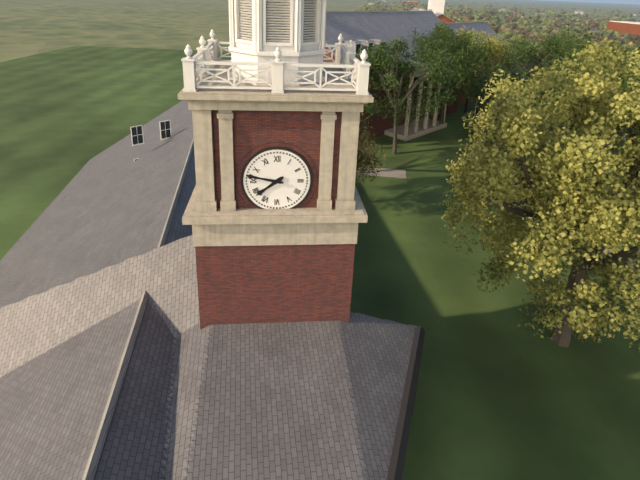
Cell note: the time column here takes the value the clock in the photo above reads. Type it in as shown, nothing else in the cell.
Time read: 7:47
